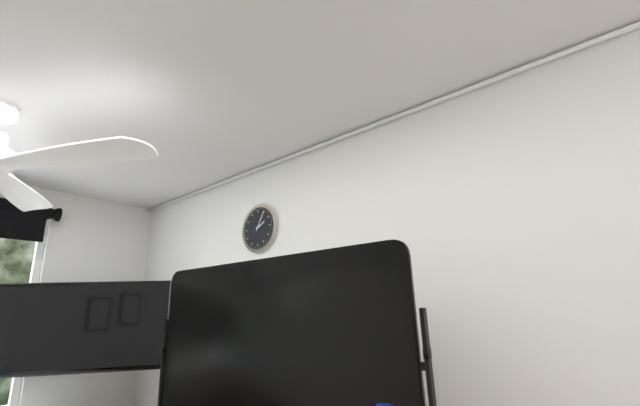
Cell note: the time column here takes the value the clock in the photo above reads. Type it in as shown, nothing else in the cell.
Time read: 2:05
